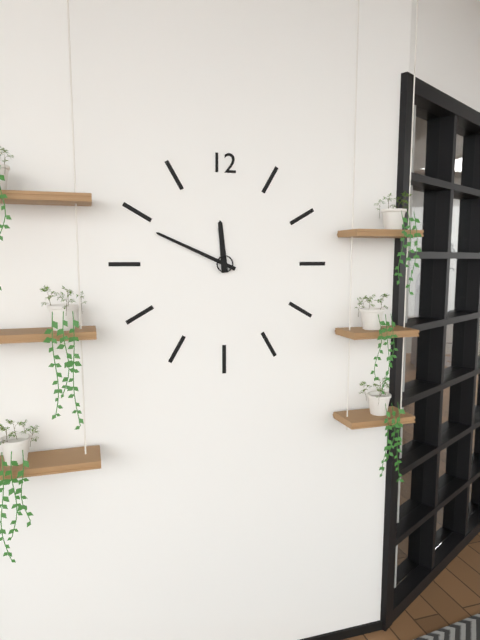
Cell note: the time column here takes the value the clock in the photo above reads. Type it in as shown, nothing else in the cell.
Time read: 11:49
